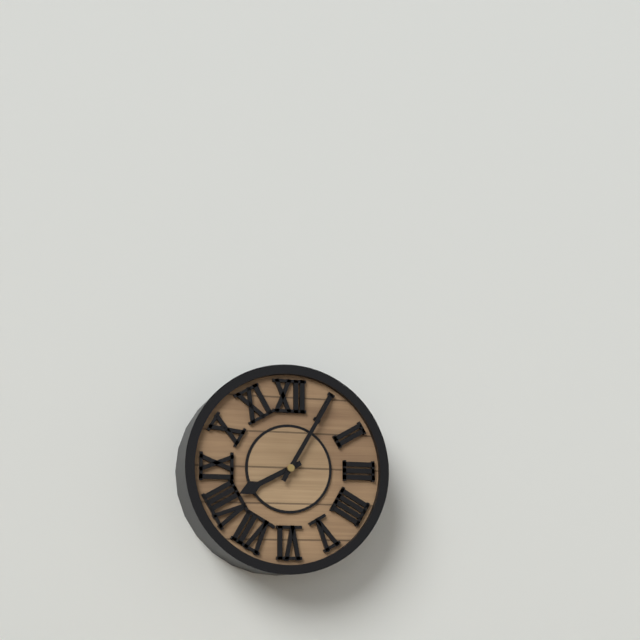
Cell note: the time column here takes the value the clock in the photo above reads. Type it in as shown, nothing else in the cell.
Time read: 8:05
